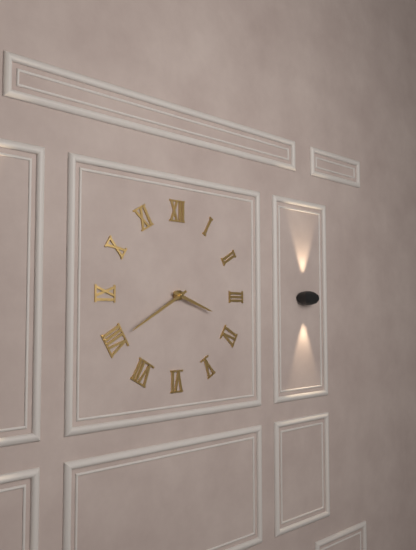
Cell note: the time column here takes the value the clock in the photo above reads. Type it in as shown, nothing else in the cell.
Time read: 3:40
